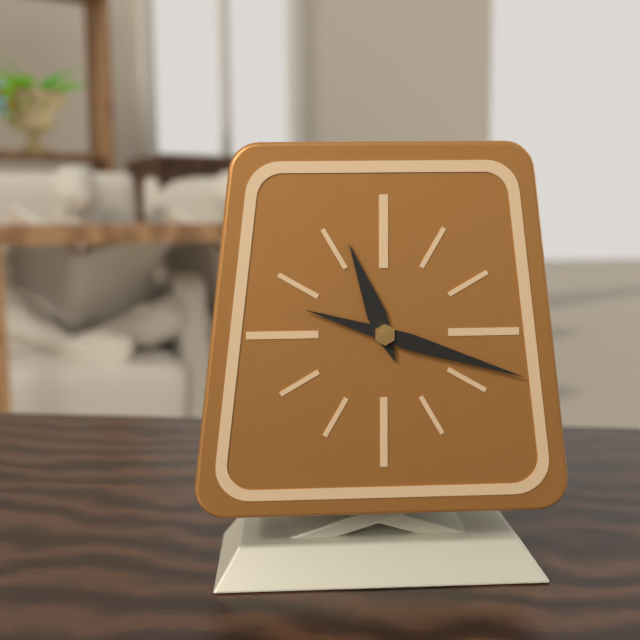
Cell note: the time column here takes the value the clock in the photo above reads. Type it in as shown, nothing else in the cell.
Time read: 11:18
